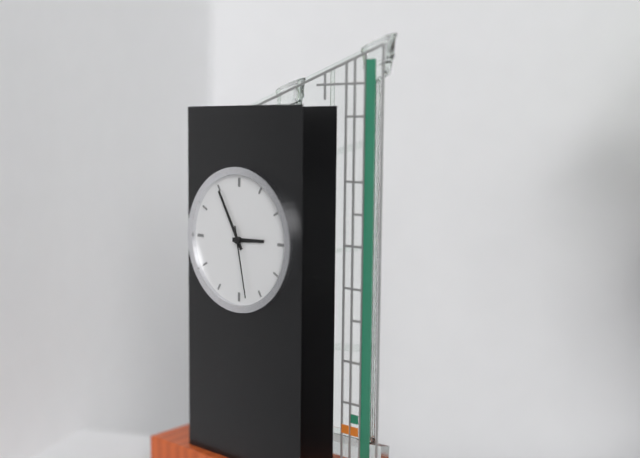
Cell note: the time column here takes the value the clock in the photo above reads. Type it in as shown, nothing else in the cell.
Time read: 2:55:28
